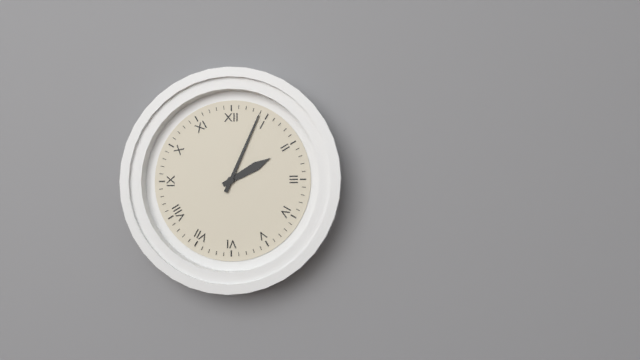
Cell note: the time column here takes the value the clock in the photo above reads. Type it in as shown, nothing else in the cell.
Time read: 2:04
